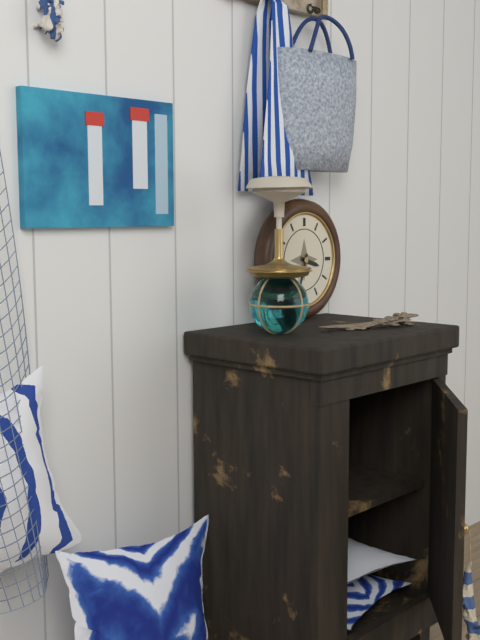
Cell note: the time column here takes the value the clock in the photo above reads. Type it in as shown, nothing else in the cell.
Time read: 3:33
